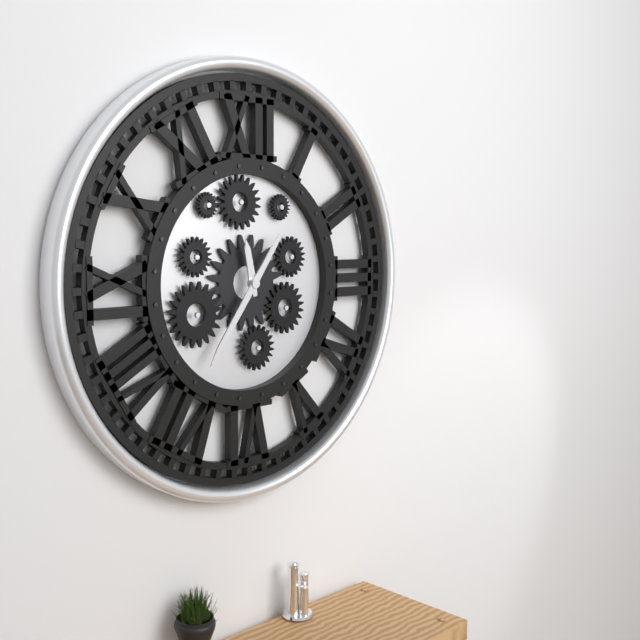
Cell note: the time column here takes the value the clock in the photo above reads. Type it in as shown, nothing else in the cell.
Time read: 11:36
